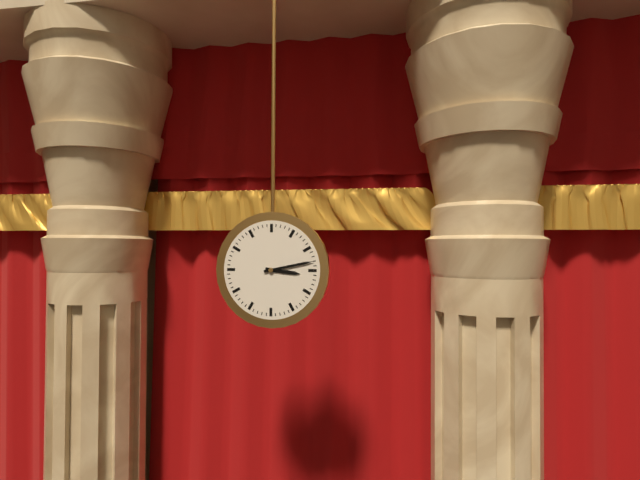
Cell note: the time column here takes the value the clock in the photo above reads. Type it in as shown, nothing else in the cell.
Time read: 3:13
